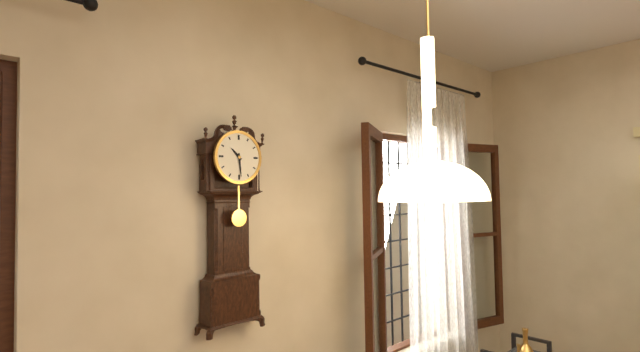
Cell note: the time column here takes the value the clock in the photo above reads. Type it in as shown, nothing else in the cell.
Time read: 10:29
